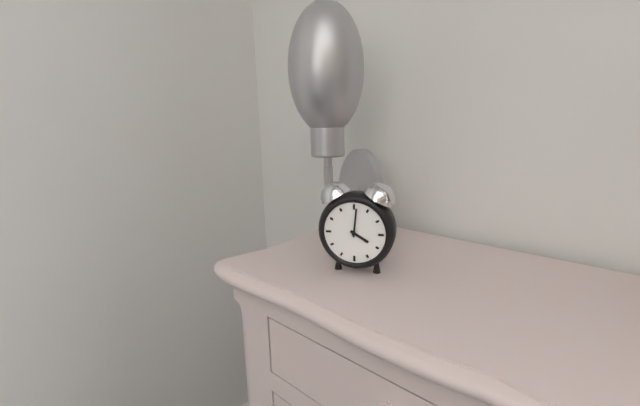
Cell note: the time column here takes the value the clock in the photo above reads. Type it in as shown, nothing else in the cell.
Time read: 4:01
